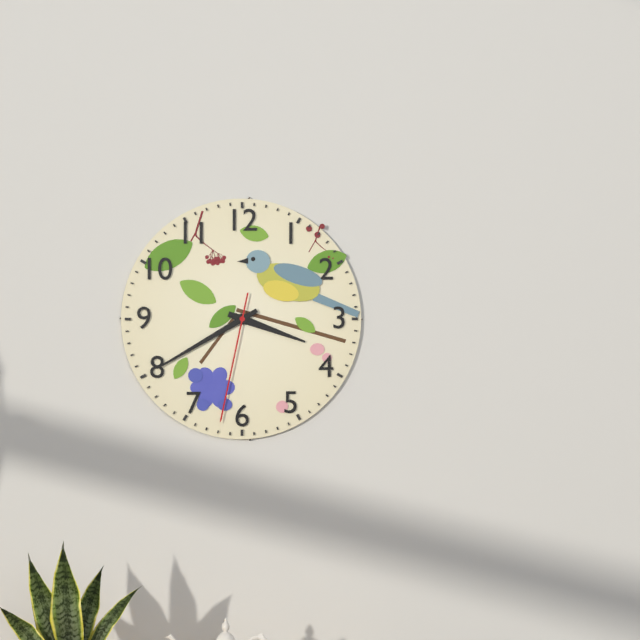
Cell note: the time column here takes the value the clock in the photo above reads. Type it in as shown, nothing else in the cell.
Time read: 3:40:32
